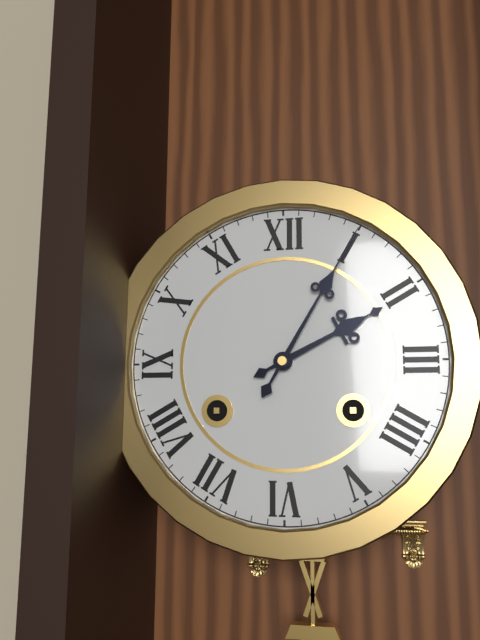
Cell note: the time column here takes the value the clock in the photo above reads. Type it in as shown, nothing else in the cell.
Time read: 2:05
